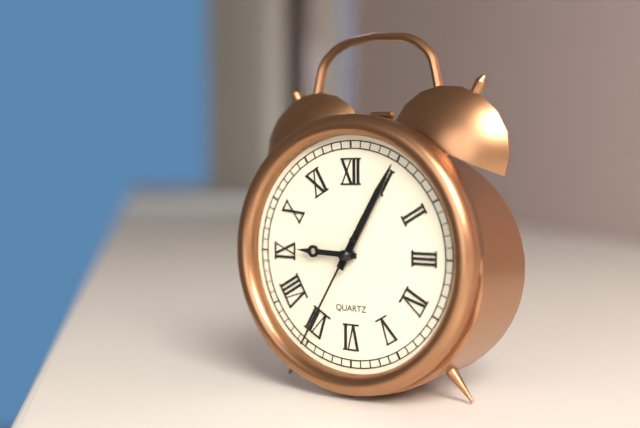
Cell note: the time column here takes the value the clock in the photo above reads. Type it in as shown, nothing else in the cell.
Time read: 9:05:35
